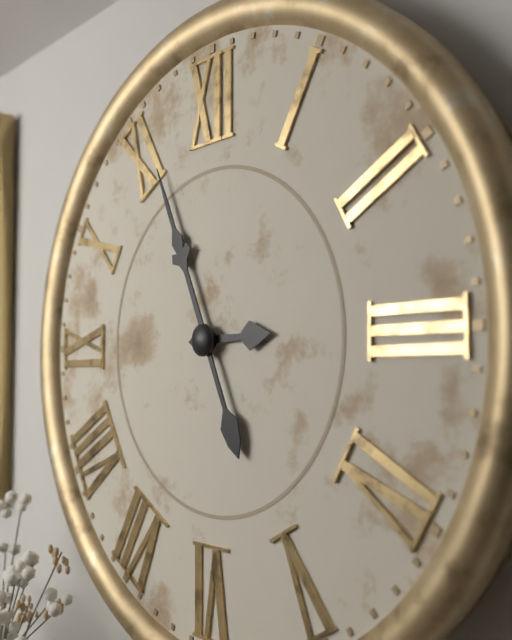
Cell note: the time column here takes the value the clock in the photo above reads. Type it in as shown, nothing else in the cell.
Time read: 2:56
